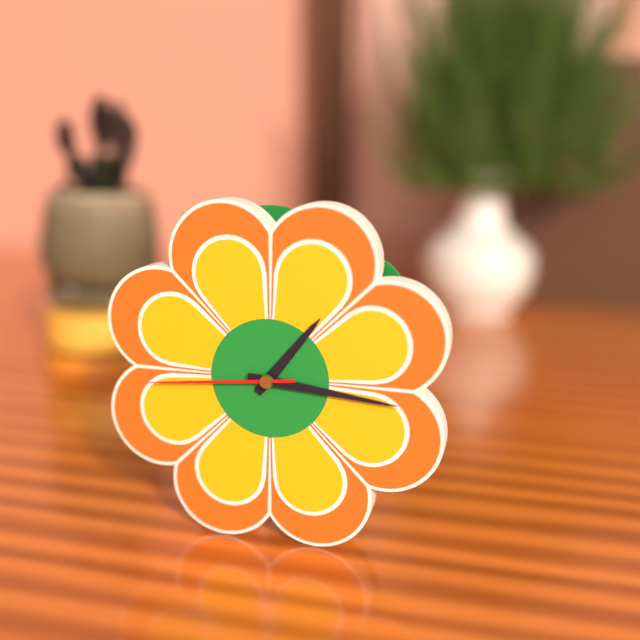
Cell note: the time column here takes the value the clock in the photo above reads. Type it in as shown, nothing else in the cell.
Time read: 1:16:44
